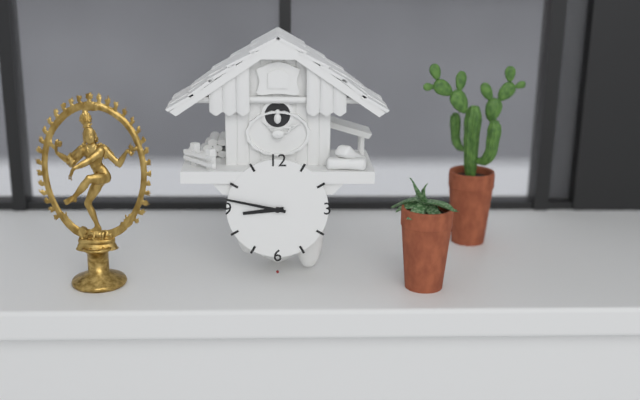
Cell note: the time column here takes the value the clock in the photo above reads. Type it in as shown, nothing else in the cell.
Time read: 8:47
